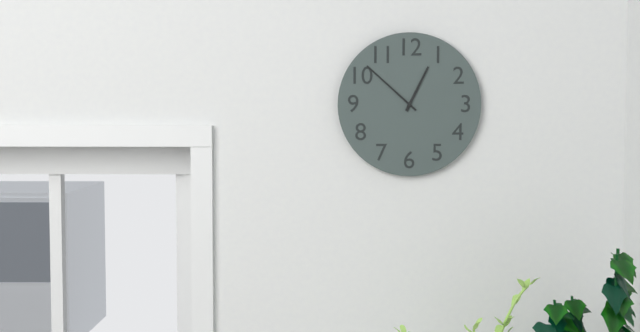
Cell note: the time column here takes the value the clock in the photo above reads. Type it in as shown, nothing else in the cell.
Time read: 12:52
